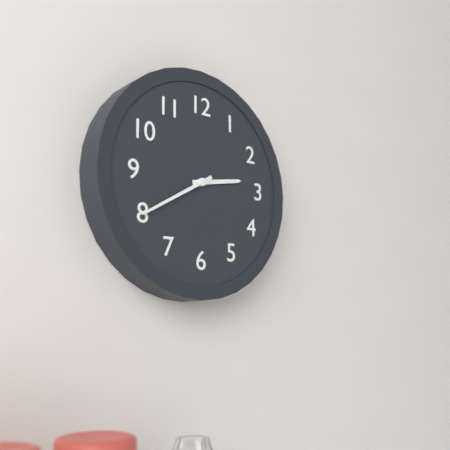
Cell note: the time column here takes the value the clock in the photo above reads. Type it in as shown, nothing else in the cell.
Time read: 2:40
